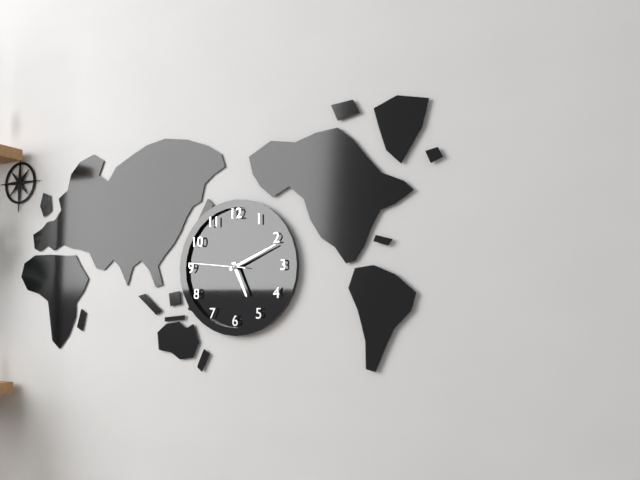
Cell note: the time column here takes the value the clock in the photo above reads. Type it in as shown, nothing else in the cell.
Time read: 5:11:46
